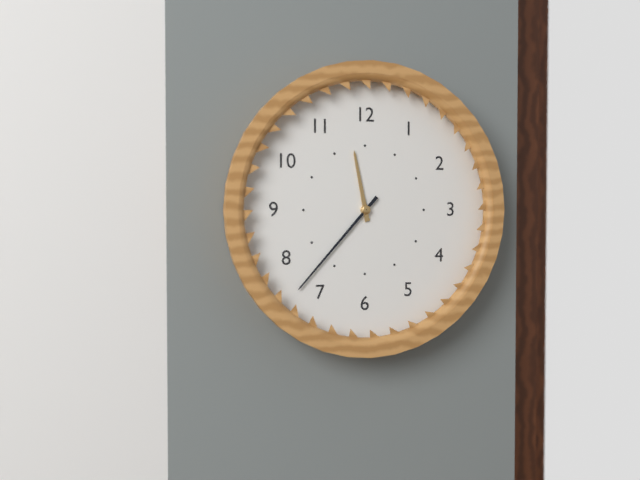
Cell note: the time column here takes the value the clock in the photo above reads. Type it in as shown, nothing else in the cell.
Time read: 11:37
